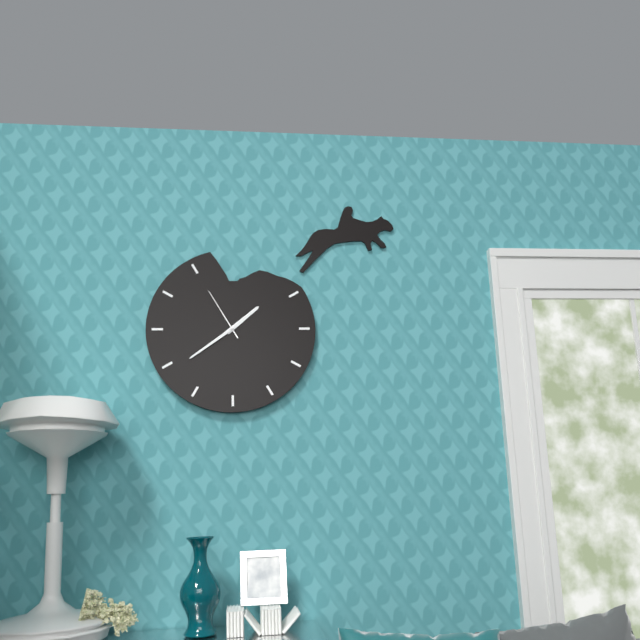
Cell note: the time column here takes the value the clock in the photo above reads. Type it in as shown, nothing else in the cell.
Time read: 1:39:55
